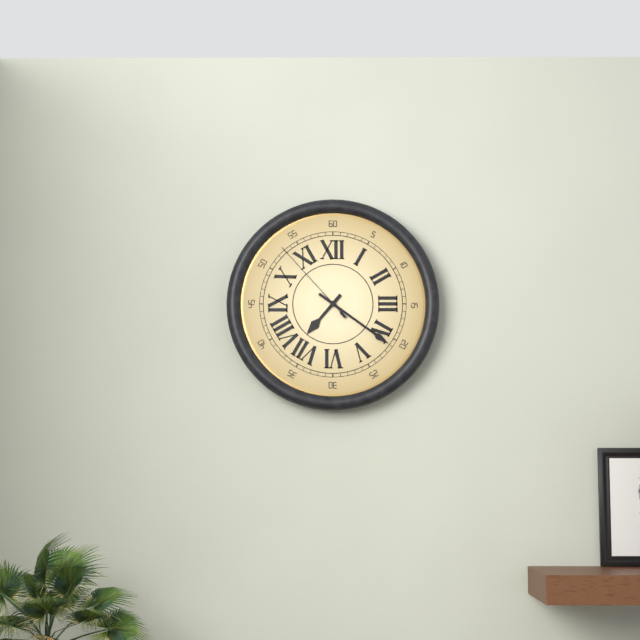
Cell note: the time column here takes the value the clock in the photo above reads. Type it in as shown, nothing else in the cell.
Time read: 7:21:53
